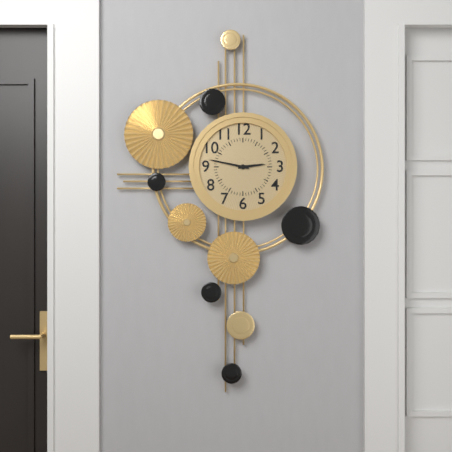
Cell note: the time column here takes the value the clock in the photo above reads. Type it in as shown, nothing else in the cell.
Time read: 2:47
